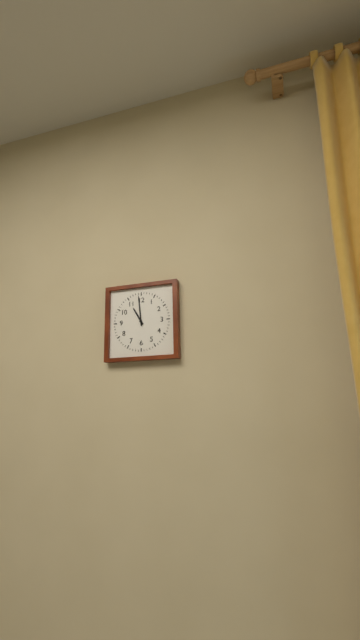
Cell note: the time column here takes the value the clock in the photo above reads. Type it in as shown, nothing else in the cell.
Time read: 10:59
